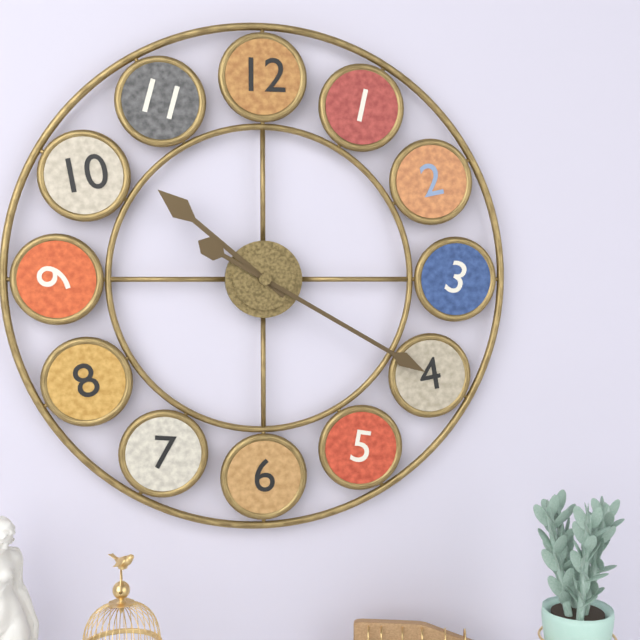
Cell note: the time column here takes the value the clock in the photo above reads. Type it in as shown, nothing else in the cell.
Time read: 10:20
